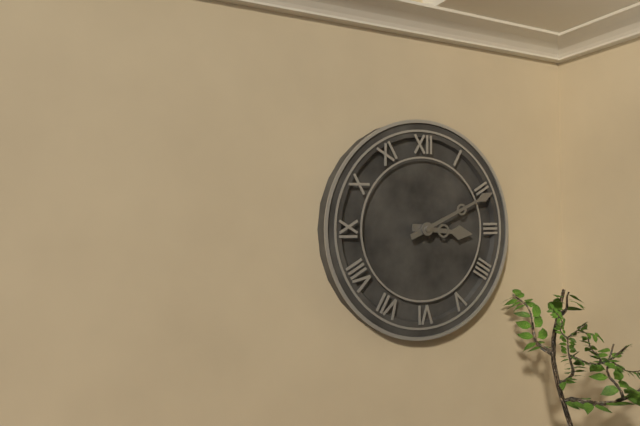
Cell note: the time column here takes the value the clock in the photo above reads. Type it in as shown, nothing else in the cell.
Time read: 3:11
